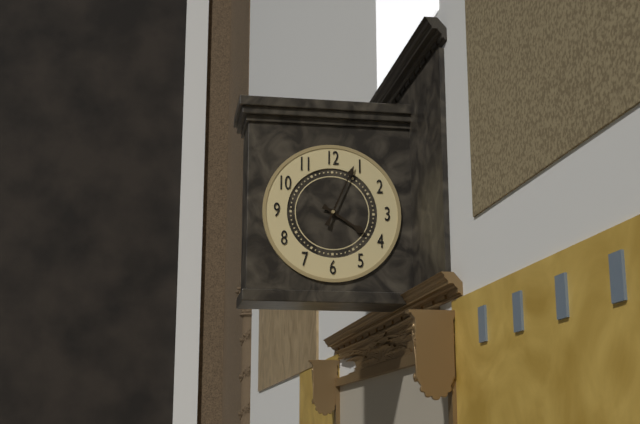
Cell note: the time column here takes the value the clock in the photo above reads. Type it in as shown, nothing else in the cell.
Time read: 4:04
